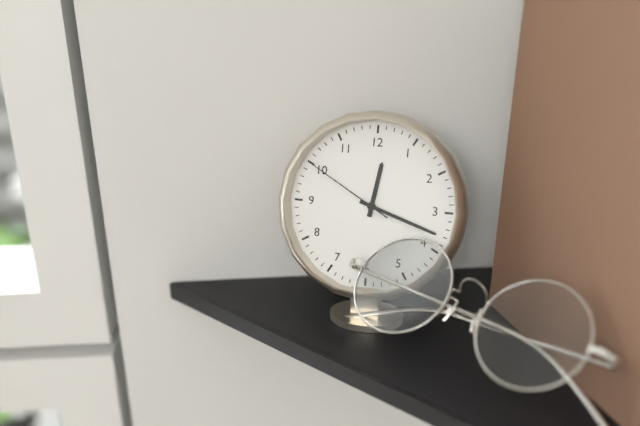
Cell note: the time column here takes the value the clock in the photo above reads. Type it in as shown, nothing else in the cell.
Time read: 12:18:50
